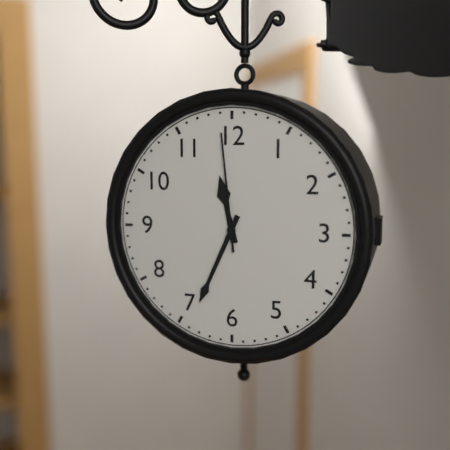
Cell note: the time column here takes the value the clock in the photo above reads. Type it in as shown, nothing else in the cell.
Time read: 11:34:59
